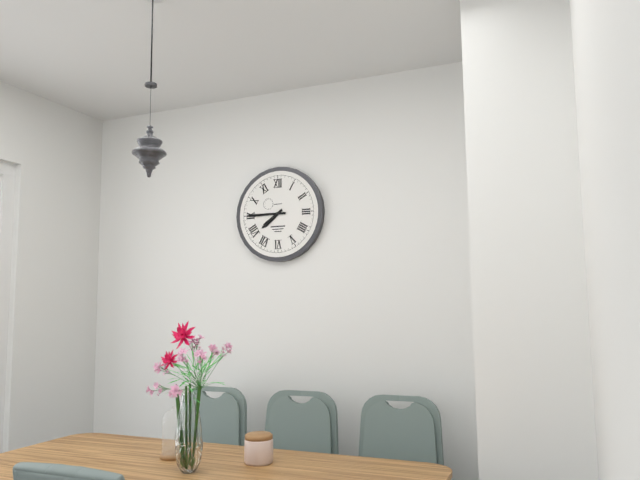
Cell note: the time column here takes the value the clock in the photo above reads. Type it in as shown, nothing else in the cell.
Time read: 7:45
